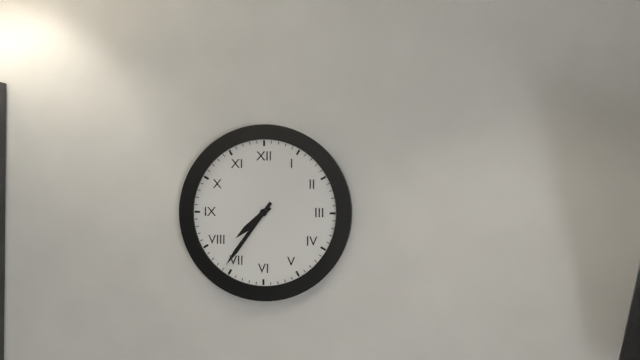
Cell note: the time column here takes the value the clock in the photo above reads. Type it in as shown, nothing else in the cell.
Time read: 7:36
